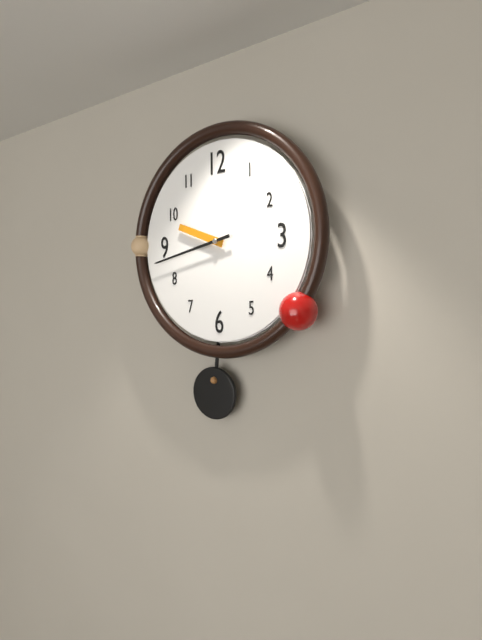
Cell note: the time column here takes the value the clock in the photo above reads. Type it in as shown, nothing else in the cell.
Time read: 9:43
